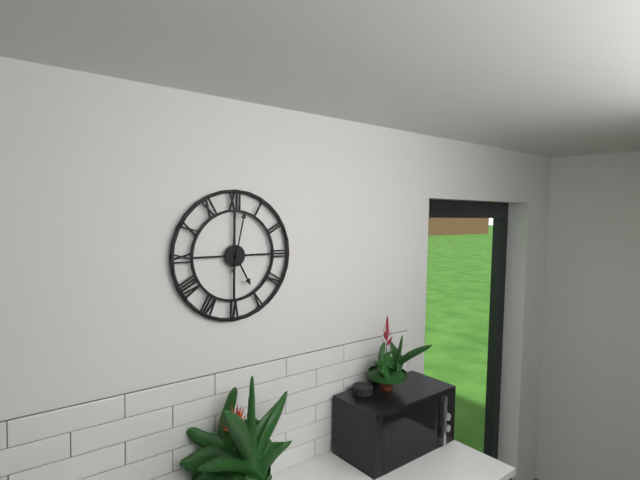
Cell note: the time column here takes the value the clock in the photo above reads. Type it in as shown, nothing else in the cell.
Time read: 5:02
